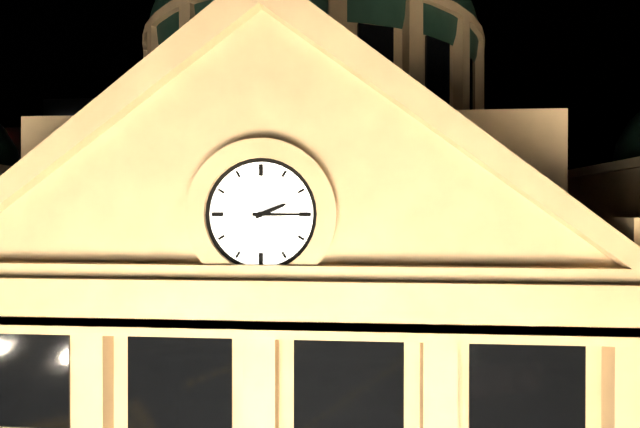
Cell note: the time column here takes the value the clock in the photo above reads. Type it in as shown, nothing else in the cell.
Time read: 2:15
